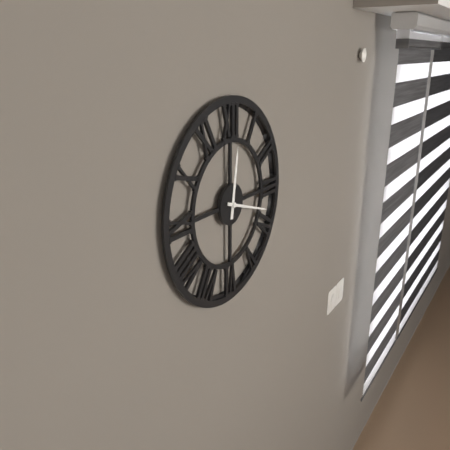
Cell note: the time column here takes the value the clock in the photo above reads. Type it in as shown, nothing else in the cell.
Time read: 12:18
